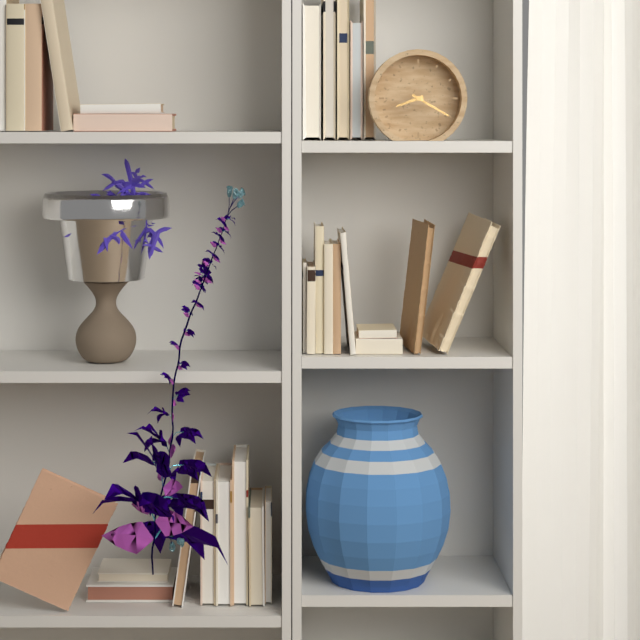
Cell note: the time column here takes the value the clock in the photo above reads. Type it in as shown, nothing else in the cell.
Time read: 8:20
